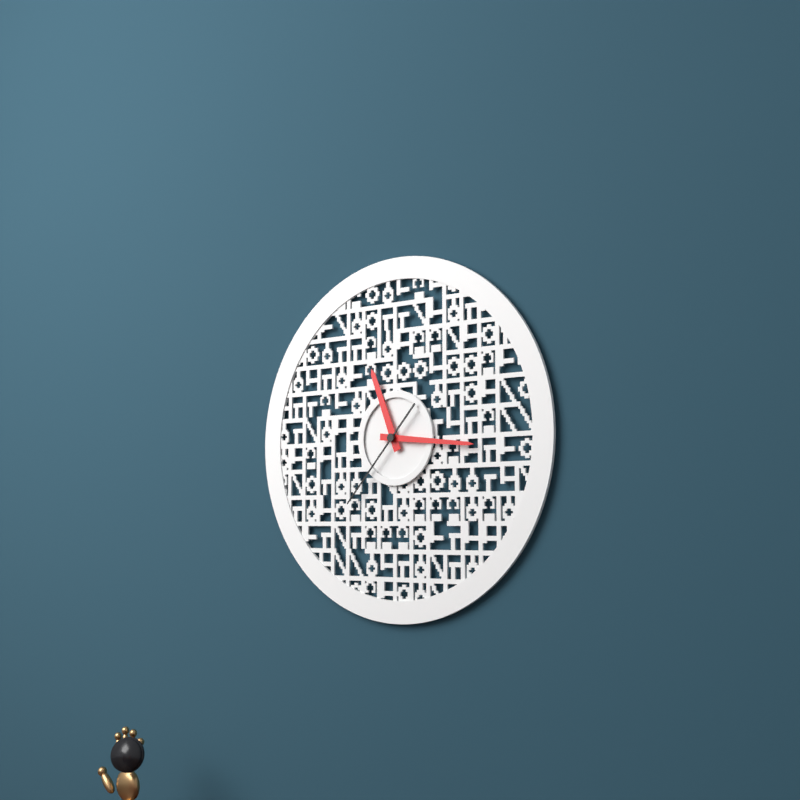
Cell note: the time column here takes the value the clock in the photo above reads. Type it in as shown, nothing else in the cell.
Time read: 11:16:37
